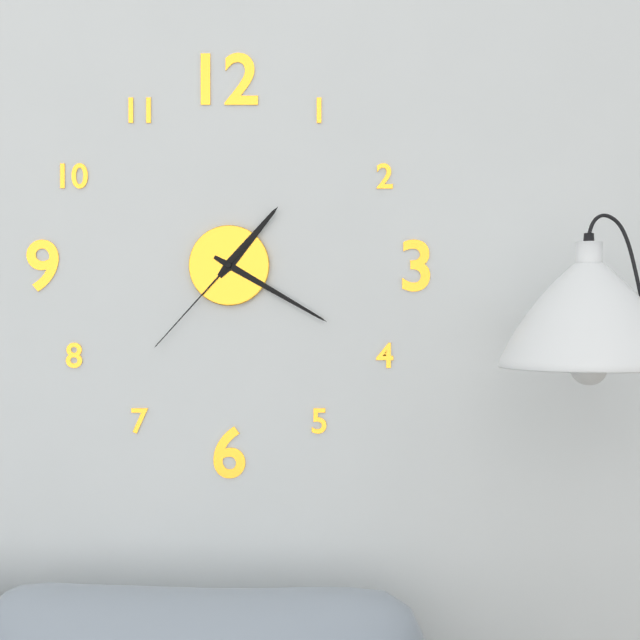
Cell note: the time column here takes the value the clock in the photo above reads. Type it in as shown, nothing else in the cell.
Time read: 1:20:37
